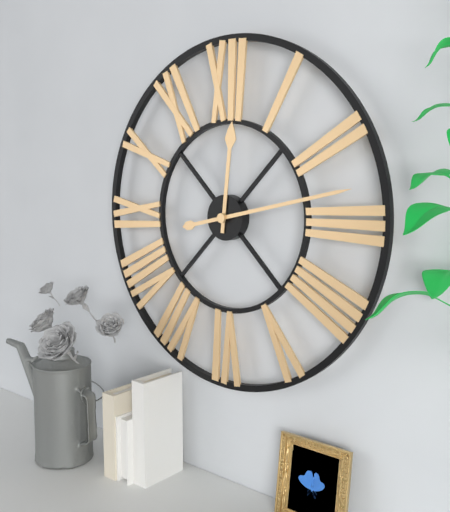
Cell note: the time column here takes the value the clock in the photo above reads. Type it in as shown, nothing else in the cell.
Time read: 12:13
